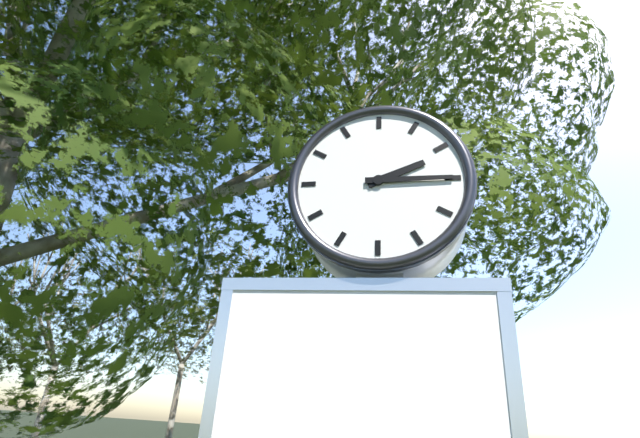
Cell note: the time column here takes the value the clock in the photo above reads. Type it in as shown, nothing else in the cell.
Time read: 2:15
